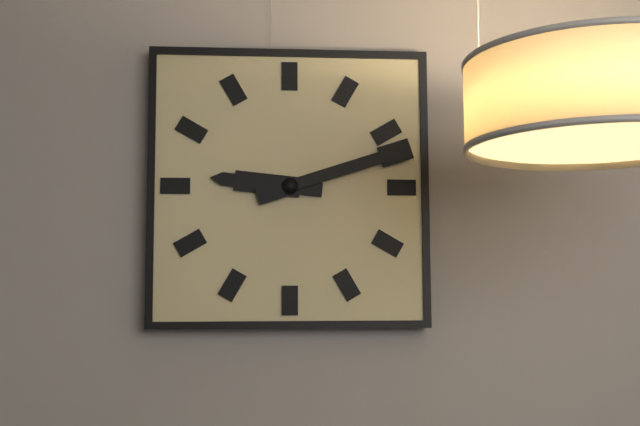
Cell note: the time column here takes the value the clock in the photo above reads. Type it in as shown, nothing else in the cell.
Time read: 9:12
